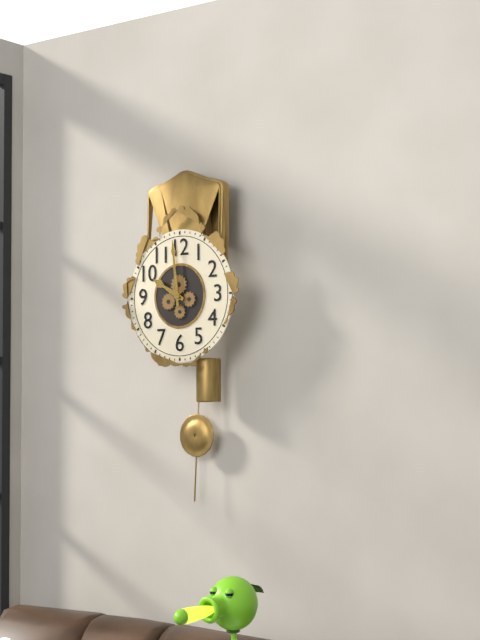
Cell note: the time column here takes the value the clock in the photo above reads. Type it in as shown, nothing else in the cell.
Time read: 9:59
